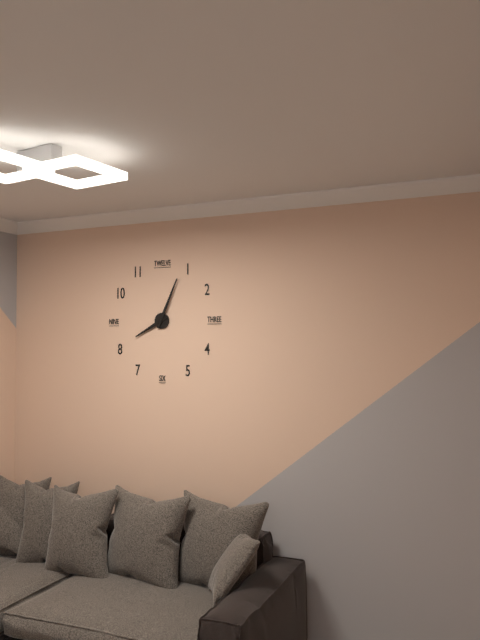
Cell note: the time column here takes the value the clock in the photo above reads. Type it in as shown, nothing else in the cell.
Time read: 8:04
